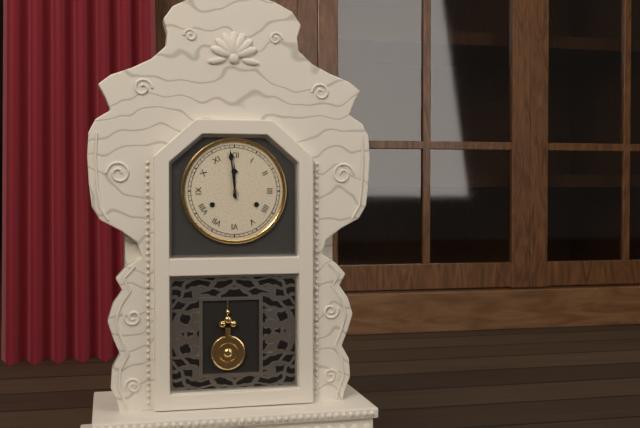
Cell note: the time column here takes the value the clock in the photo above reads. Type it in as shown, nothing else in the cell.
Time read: 11:59
